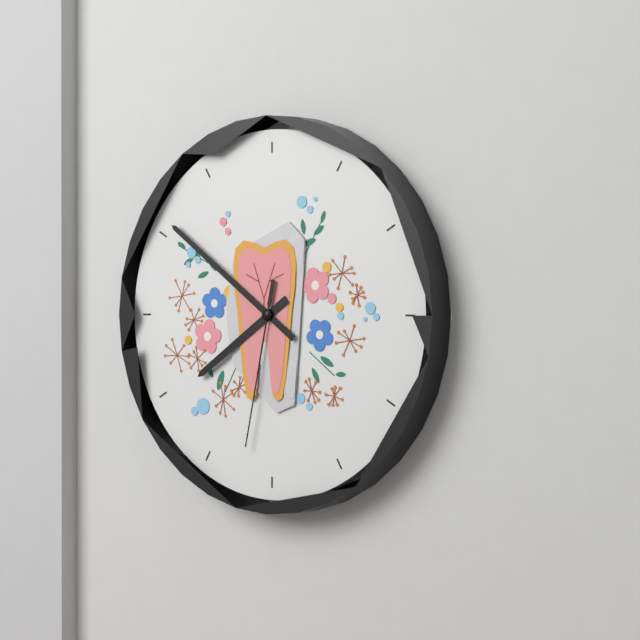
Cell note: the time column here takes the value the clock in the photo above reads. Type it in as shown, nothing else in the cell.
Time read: 7:51:32
